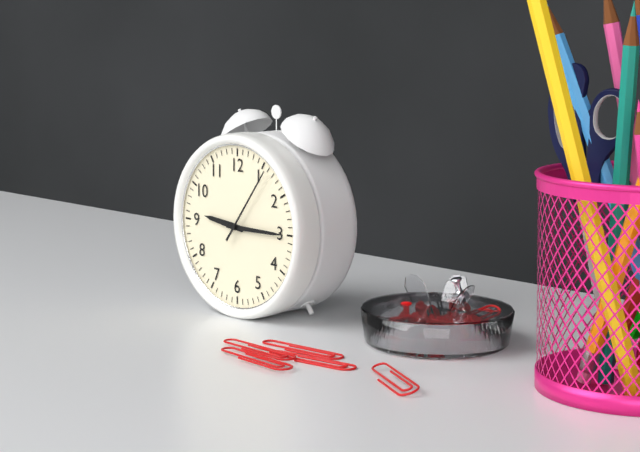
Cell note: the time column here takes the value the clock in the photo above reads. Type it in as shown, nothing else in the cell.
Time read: 9:15:06
